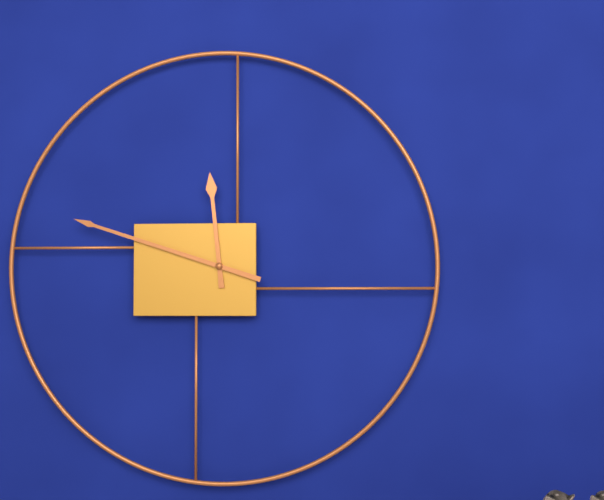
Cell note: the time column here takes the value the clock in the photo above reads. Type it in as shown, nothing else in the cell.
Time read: 11:48
